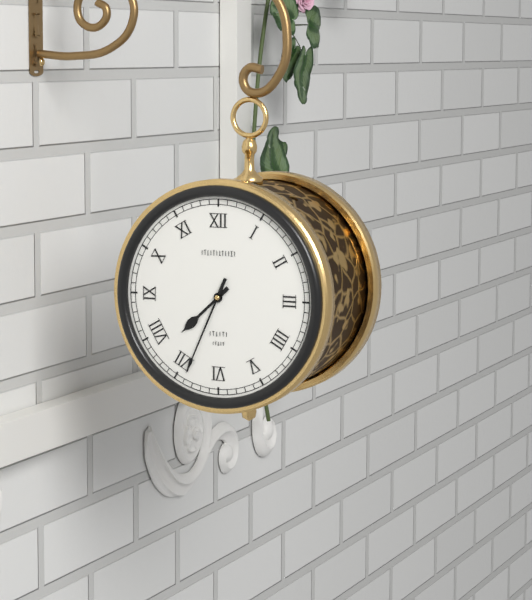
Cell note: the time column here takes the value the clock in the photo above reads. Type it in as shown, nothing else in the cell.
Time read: 7:34
